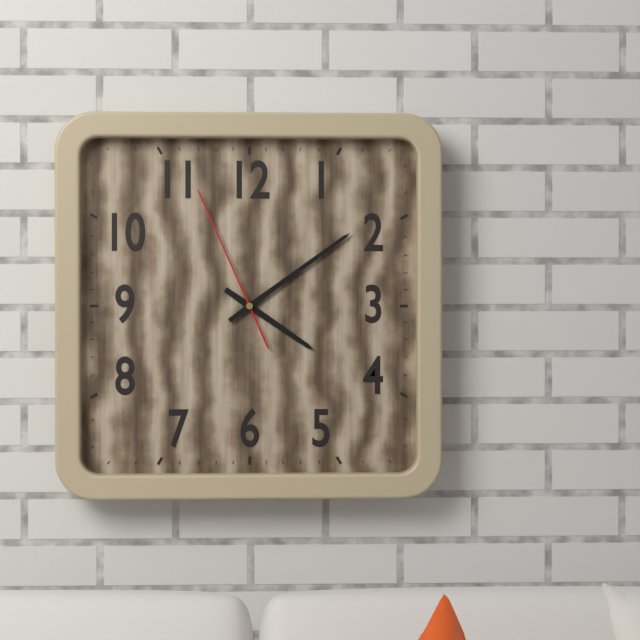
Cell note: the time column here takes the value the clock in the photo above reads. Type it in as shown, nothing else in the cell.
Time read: 4:09:56
